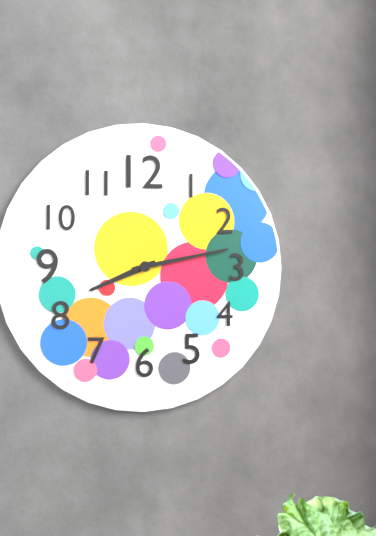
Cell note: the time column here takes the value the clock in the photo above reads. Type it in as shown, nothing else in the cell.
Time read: 8:13
